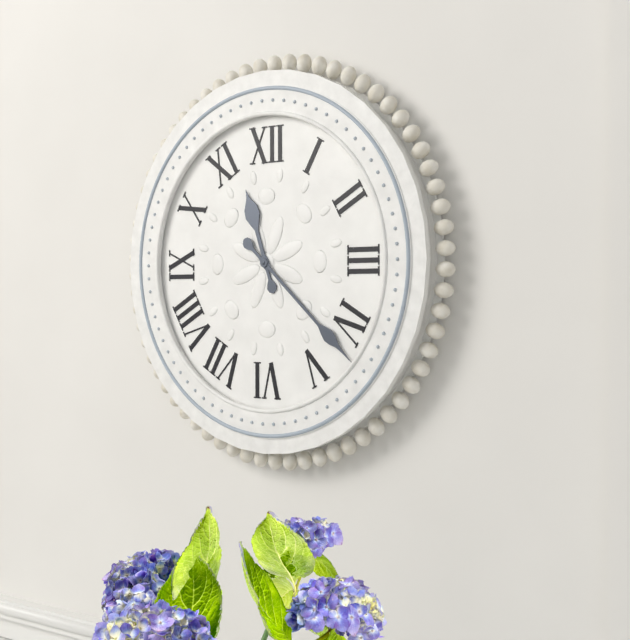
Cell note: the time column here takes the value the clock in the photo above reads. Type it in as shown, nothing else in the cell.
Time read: 11:22
